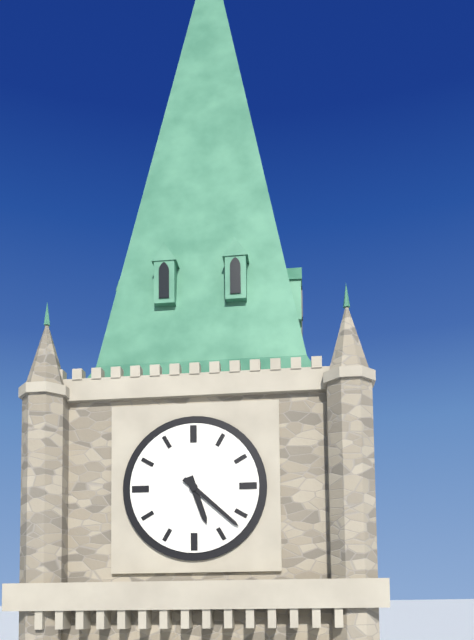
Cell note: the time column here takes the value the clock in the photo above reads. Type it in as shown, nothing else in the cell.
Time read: 5:22
